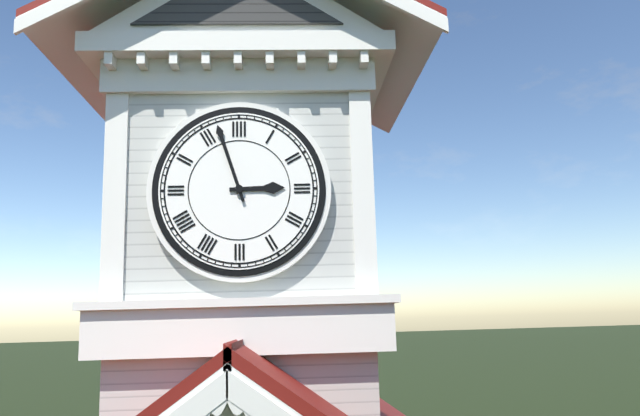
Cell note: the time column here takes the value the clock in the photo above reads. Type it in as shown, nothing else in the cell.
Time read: 2:57
